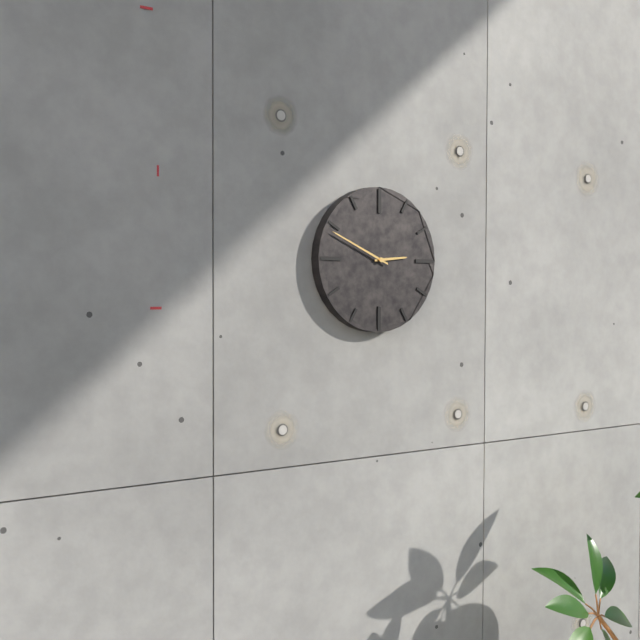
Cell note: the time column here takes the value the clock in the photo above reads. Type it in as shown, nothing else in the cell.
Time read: 2:49
